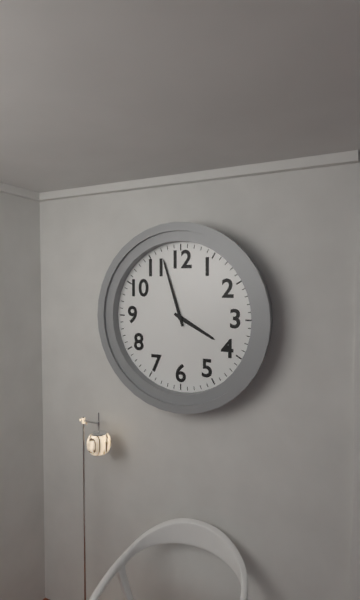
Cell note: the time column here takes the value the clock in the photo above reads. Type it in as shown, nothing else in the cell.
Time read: 3:57
